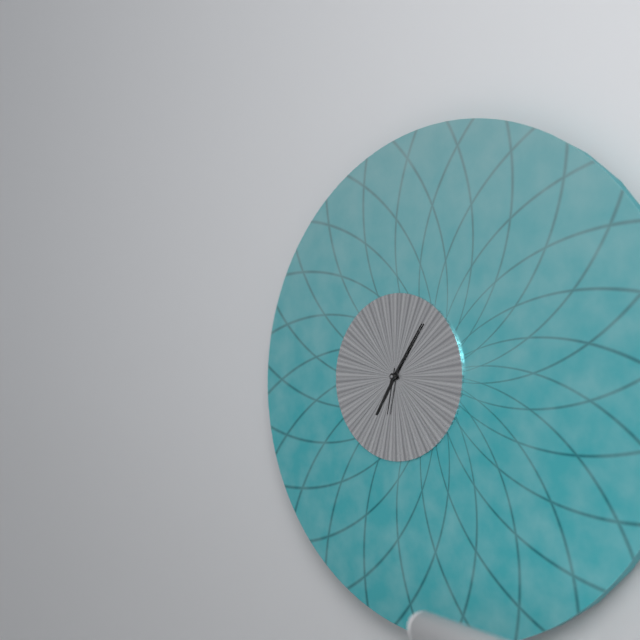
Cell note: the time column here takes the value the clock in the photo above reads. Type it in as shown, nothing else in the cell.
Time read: 7:06
